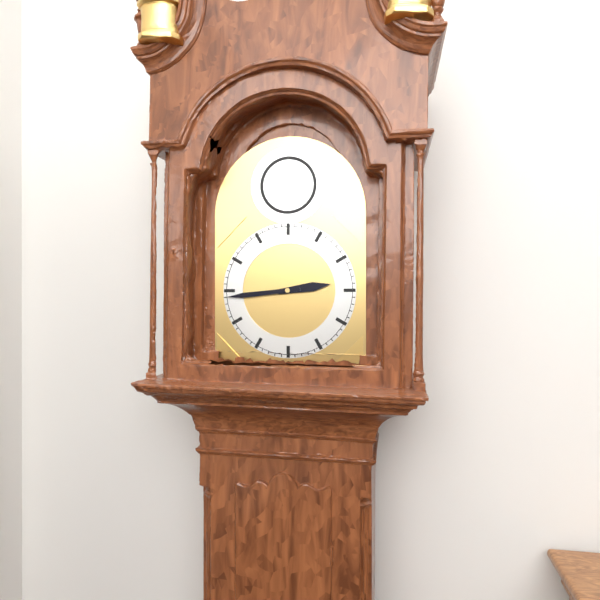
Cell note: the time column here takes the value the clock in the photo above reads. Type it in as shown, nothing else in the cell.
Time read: 2:44
